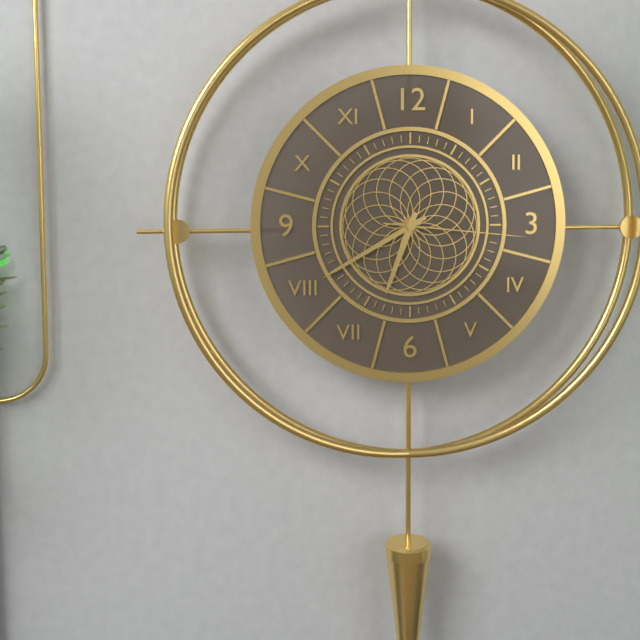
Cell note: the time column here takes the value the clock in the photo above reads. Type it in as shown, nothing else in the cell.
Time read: 6:40:16
